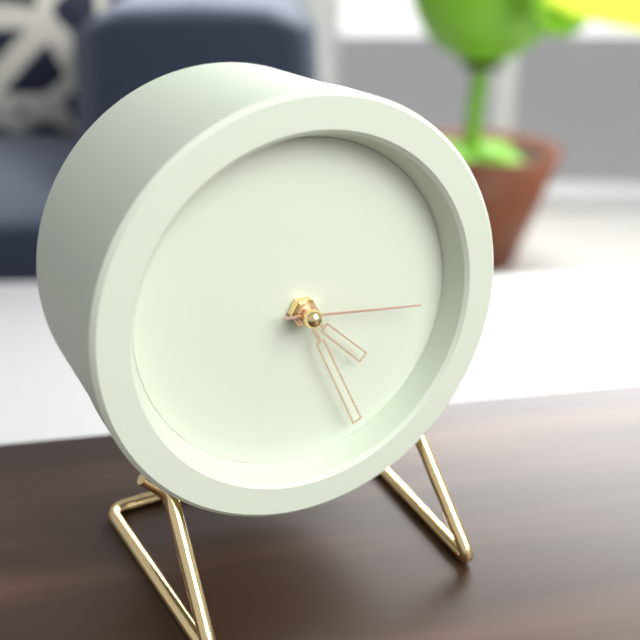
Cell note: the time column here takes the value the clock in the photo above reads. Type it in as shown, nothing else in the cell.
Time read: 4:26:16
